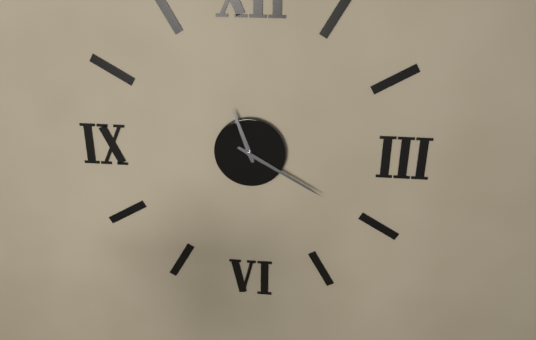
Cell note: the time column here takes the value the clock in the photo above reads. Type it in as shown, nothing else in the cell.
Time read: 11:20
